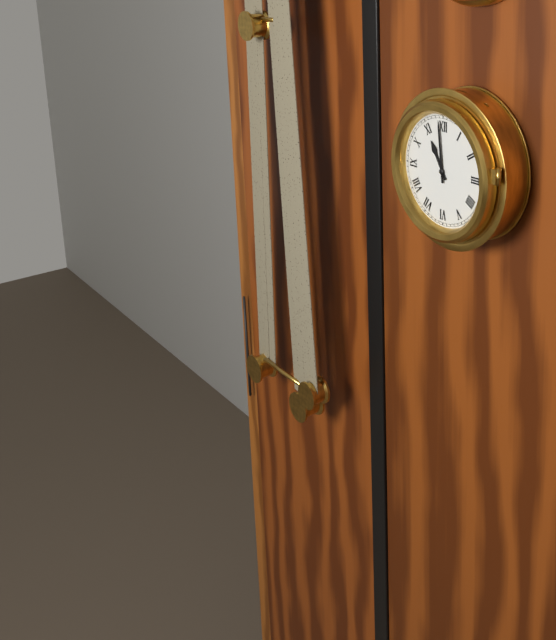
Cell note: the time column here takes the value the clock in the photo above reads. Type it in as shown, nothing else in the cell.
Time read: 10:59
